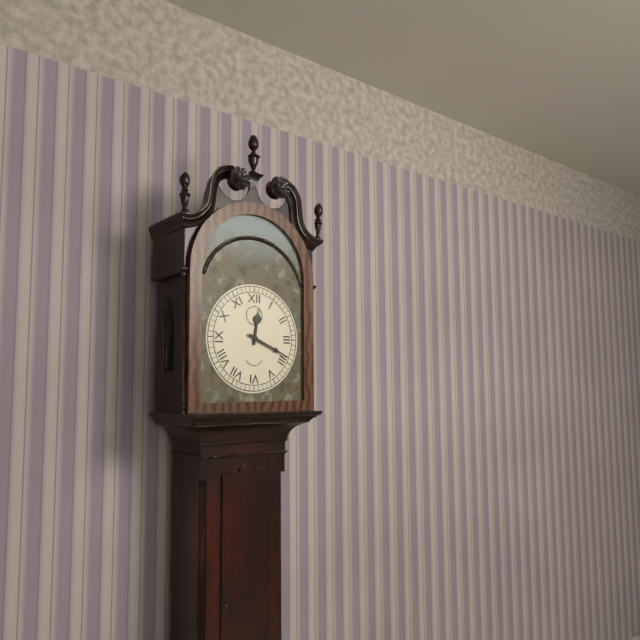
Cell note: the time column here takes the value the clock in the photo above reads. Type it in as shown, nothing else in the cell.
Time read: 12:19
